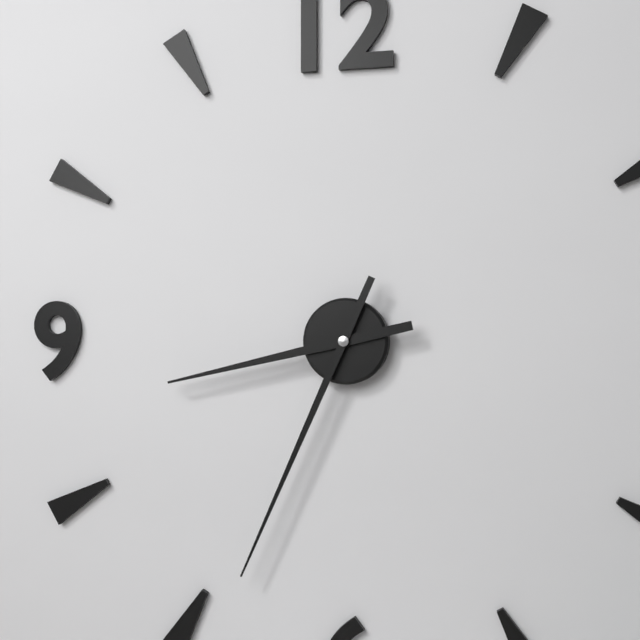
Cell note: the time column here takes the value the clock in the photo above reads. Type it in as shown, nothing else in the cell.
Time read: 8:34
